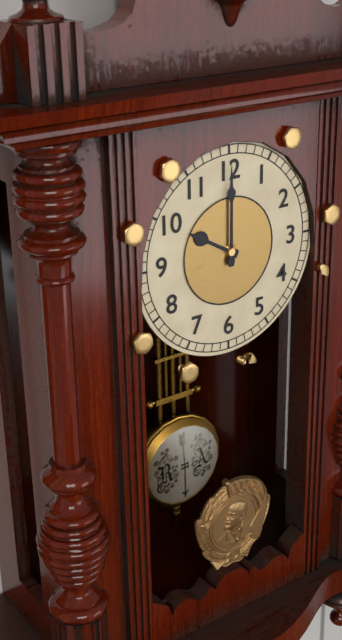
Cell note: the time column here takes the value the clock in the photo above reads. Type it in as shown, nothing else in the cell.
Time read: 10:00
